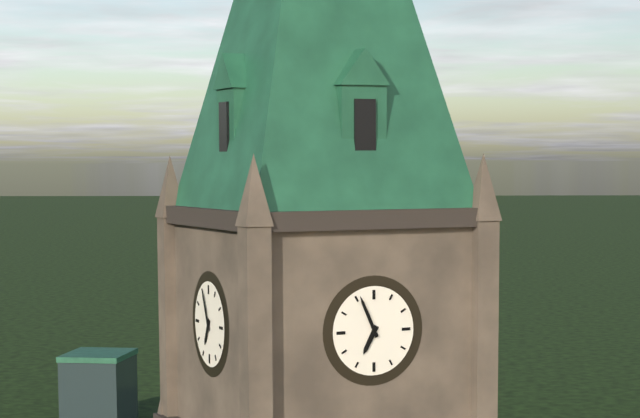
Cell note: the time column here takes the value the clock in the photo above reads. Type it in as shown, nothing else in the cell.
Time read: 6:56
